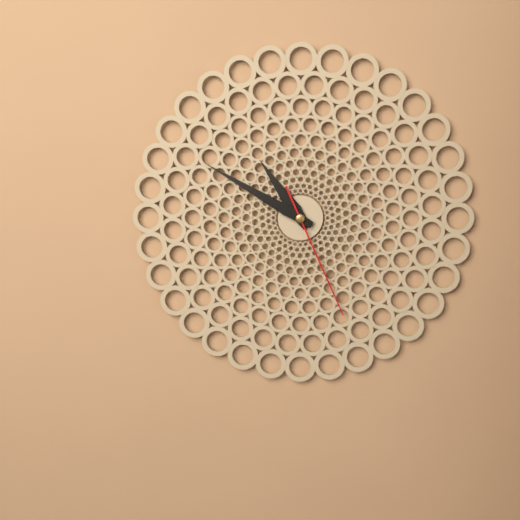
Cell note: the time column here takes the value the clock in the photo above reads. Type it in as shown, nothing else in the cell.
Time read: 10:50:26
